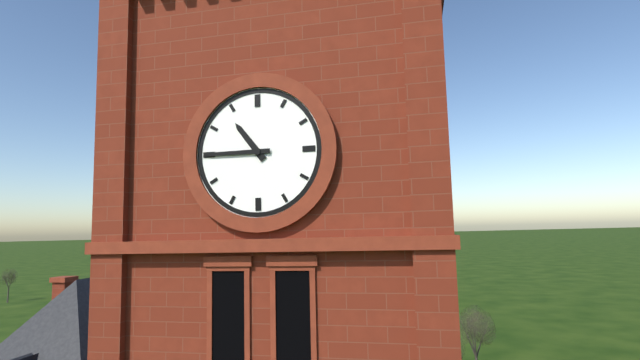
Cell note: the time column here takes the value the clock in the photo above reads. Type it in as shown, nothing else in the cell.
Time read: 10:45
